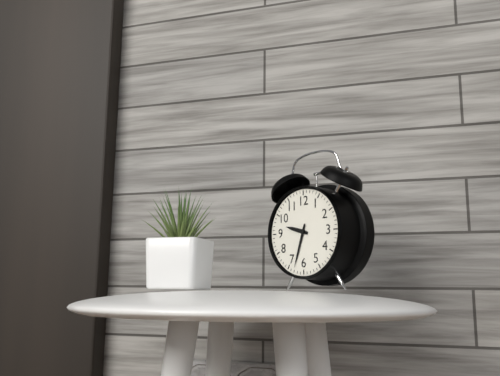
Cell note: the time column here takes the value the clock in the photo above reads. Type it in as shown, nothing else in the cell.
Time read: 9:33
